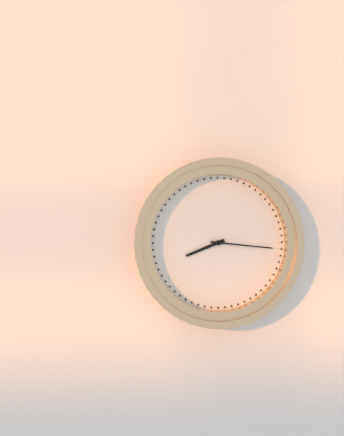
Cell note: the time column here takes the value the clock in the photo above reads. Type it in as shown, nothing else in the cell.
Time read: 8:16
